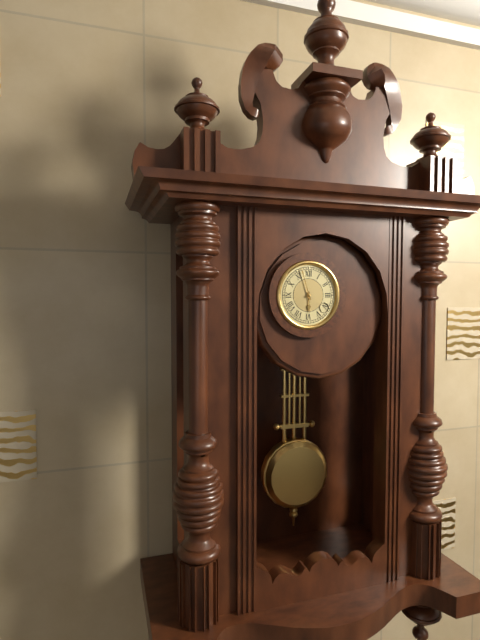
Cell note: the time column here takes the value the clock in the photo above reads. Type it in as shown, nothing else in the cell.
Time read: 5:57
